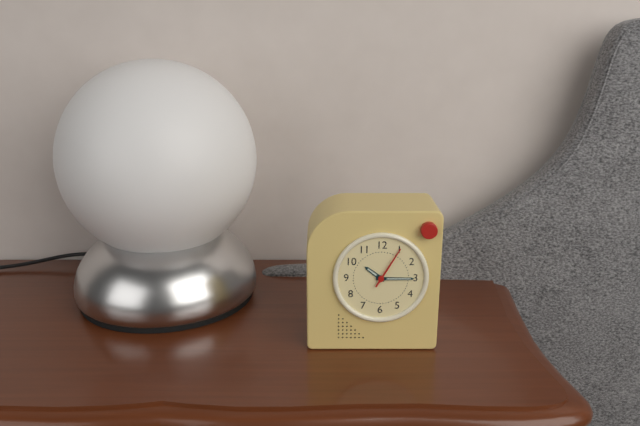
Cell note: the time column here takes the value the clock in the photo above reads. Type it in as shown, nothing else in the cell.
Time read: 10:15
